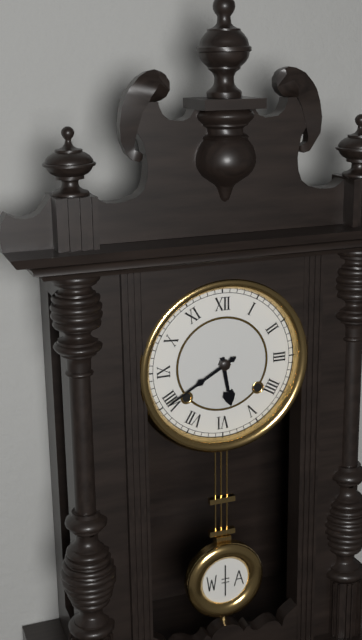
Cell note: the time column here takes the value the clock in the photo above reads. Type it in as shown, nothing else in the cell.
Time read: 5:40
